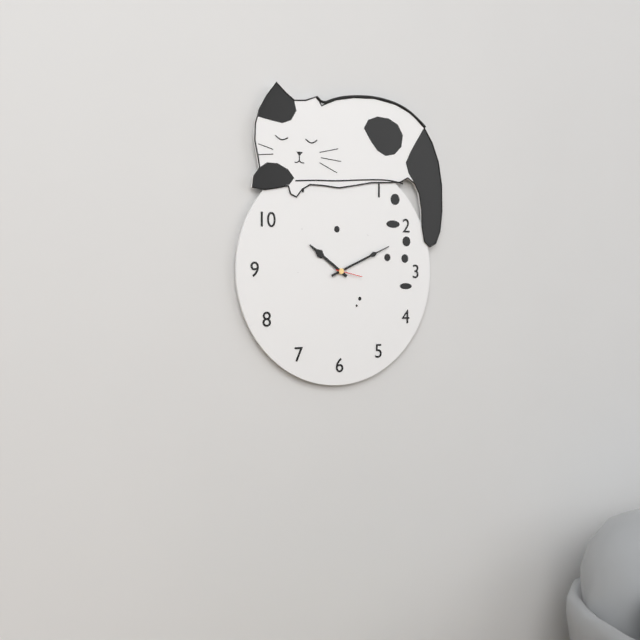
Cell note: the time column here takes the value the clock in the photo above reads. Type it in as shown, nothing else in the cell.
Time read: 10:11
